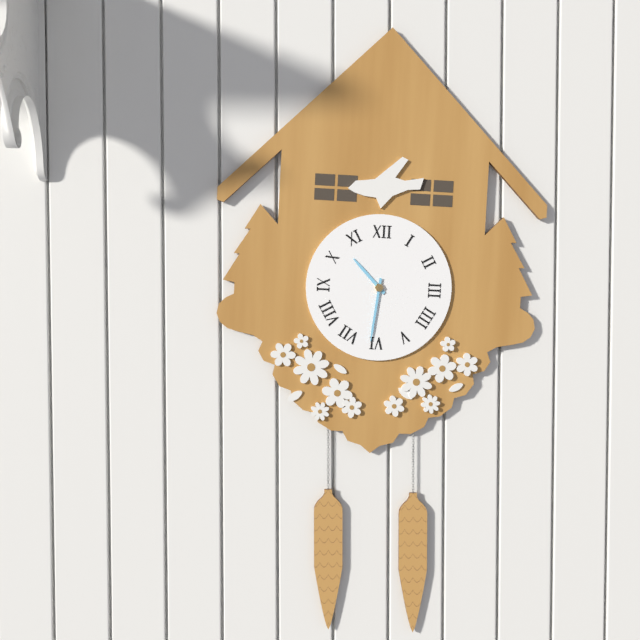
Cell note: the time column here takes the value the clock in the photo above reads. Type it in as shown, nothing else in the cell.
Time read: 10:31
